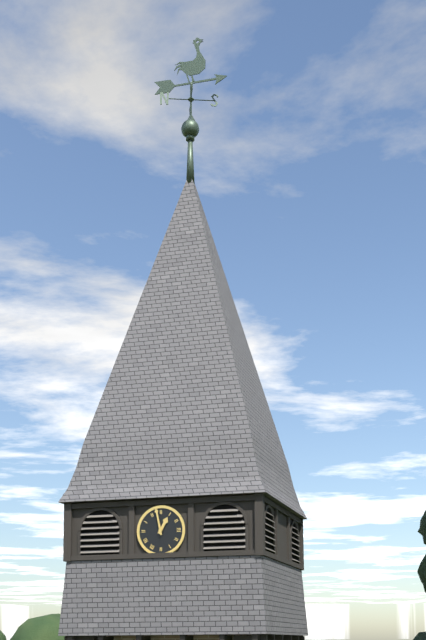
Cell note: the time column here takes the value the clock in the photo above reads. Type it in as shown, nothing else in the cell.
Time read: 12:58
